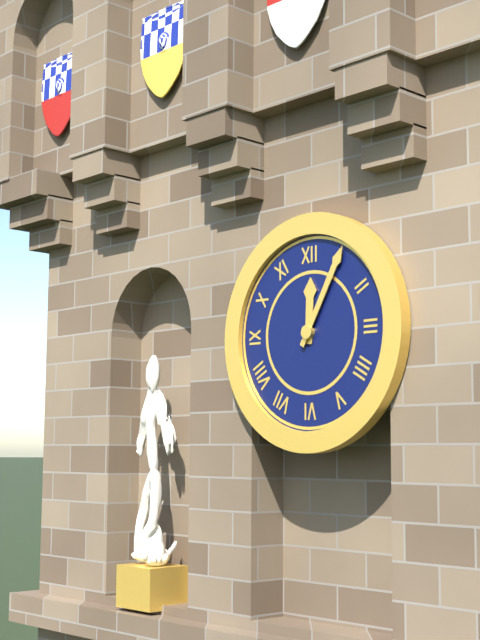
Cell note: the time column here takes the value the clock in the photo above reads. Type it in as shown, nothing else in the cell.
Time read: 12:05
